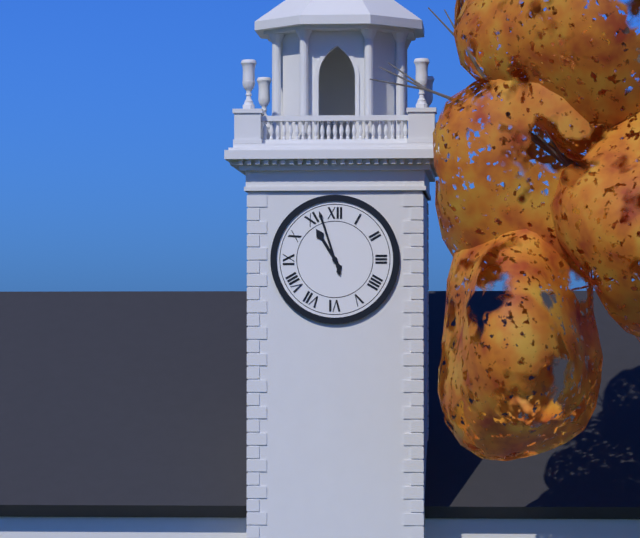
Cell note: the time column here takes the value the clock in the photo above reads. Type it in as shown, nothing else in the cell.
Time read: 10:57
